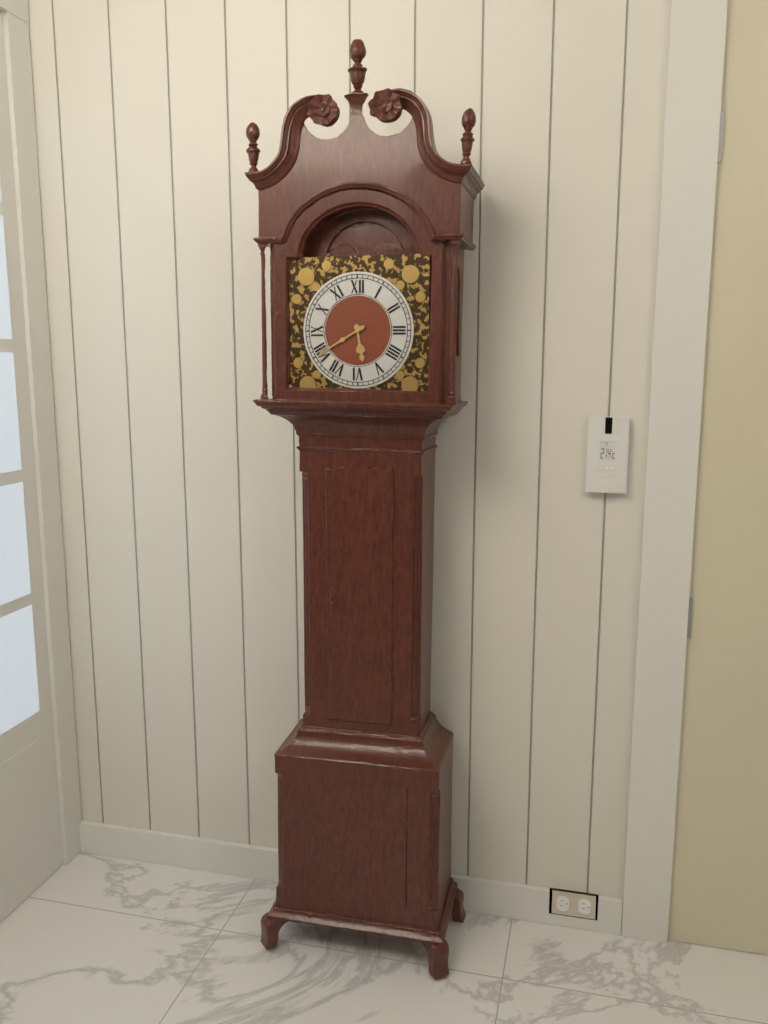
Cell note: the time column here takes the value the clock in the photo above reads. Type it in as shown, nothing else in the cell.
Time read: 5:40
